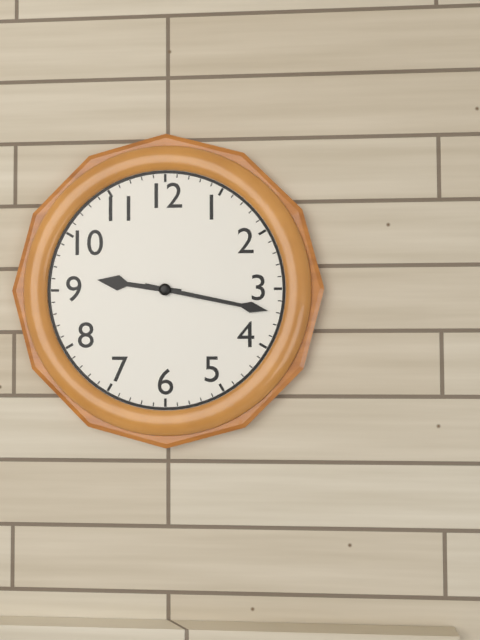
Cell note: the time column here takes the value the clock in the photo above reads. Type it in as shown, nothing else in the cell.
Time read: 9:17
